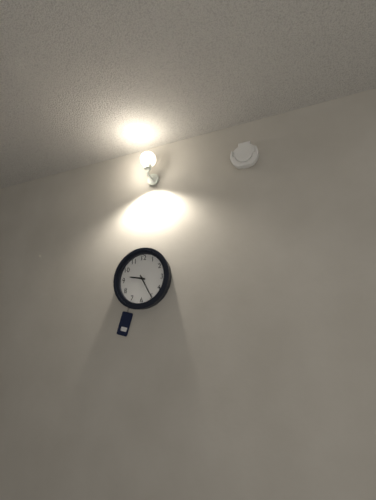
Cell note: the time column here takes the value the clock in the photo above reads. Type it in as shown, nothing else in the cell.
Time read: 9:25
